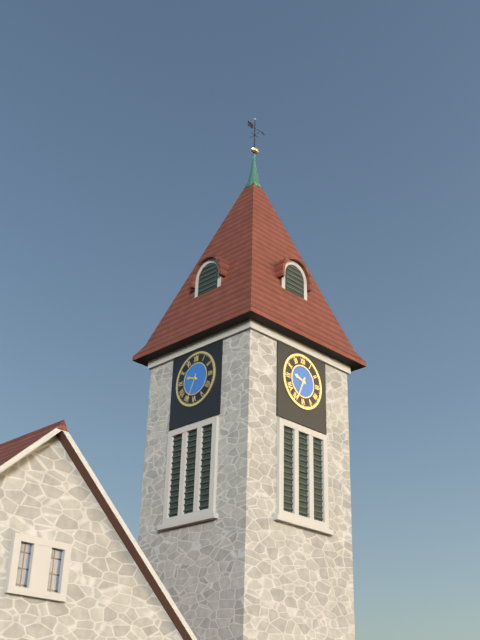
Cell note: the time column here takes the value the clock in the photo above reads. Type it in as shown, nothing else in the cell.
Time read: 9:34
